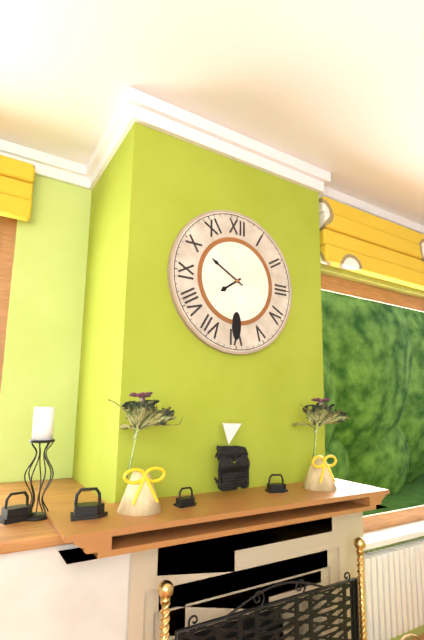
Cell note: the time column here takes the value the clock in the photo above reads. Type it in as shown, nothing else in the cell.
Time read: 7:50
